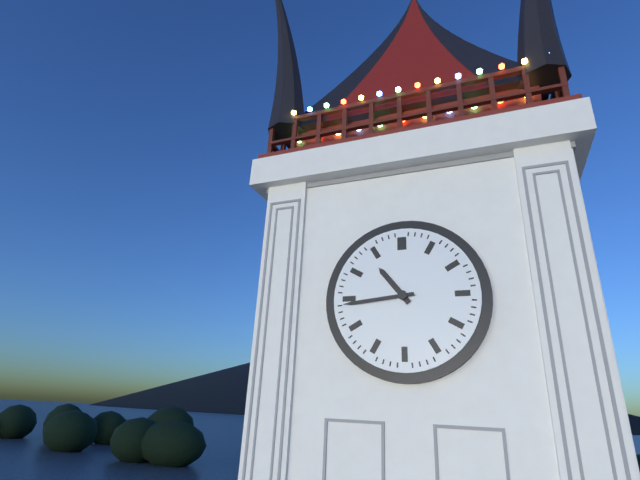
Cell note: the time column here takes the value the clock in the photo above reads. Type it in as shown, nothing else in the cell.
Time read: 10:44
